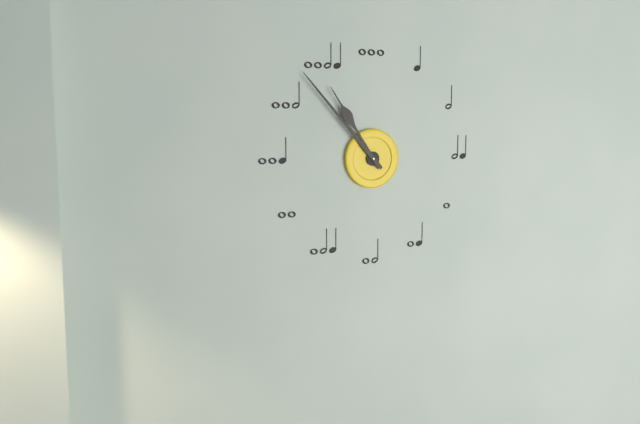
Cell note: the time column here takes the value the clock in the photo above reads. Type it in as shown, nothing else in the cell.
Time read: 10:53
